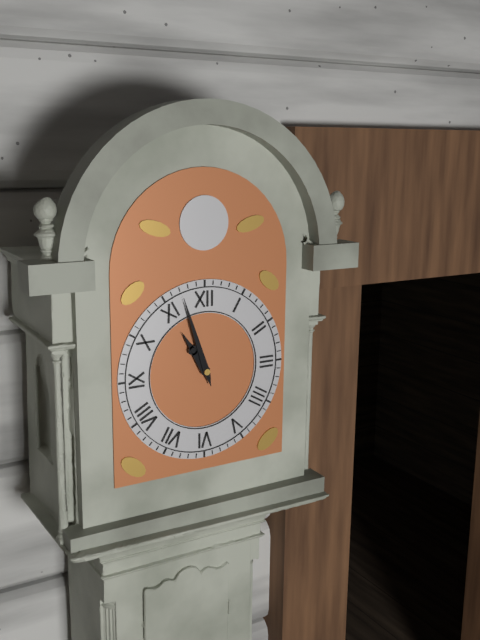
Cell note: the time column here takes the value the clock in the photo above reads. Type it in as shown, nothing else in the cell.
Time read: 10:57
